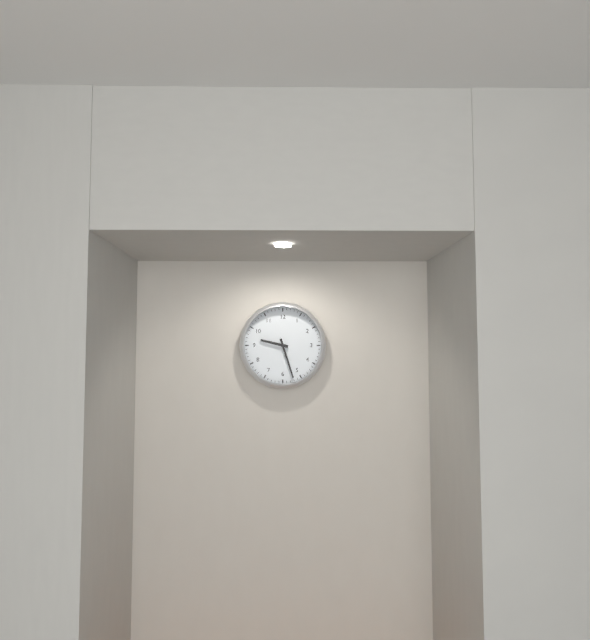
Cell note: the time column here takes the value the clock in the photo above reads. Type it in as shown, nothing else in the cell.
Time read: 9:27
